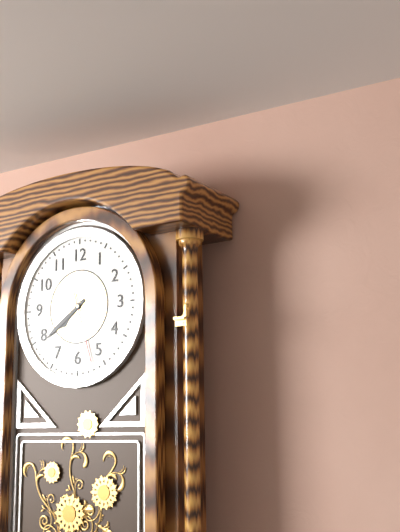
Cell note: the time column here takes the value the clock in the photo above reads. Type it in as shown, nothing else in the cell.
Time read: 7:39:27
